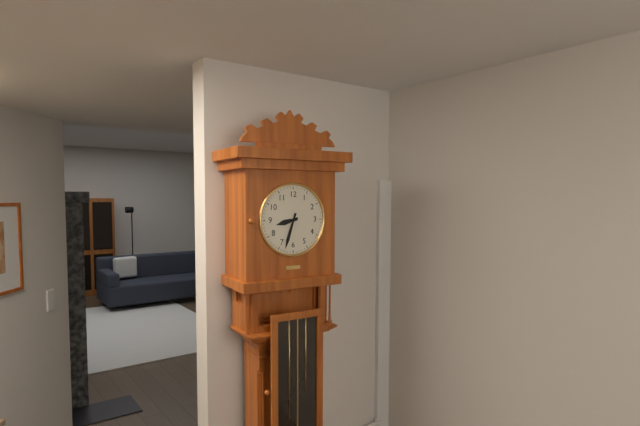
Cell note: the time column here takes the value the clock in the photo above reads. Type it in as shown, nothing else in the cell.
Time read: 8:33
